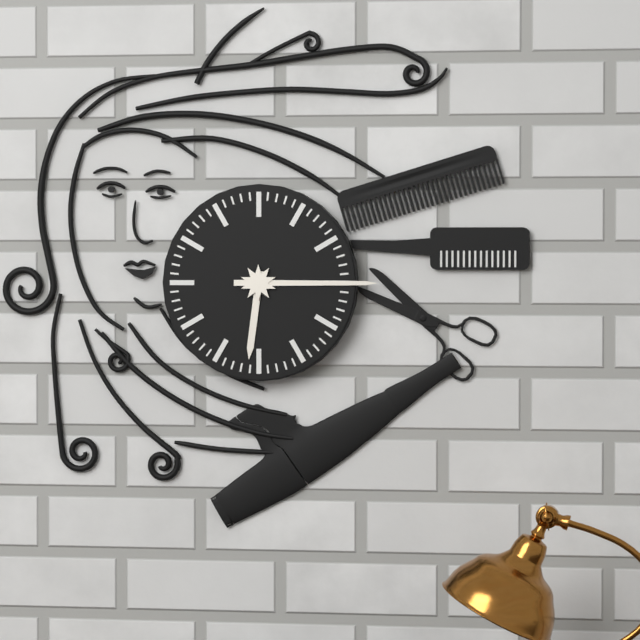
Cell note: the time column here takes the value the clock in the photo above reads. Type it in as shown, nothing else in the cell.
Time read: 6:15
